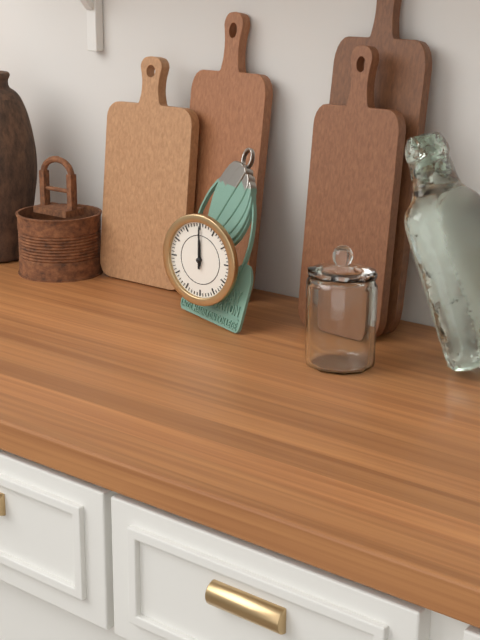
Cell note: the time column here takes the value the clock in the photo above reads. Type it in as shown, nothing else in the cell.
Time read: 12:00
